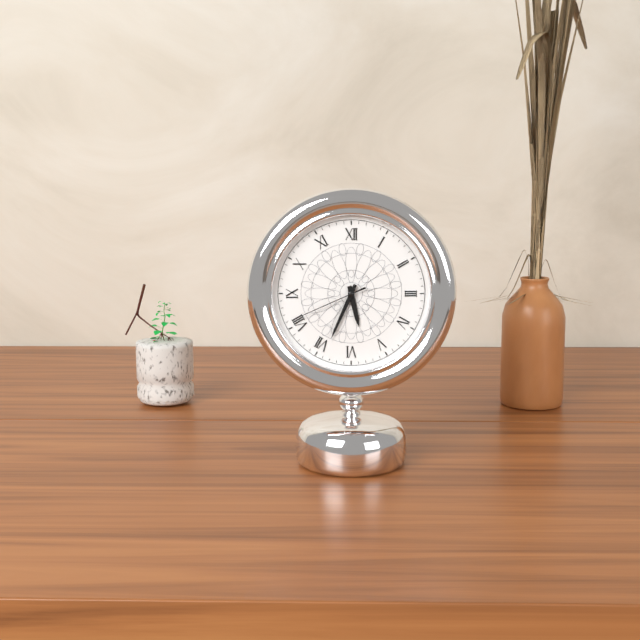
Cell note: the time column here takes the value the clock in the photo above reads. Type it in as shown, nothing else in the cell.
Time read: 5:34:41
